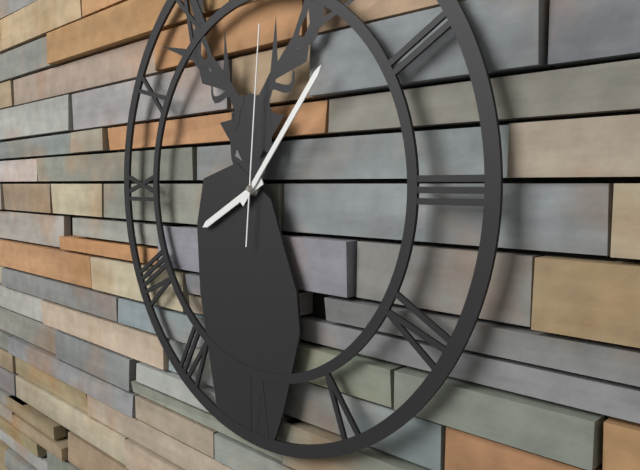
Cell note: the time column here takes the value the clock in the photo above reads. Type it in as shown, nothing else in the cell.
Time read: 8:07:01
